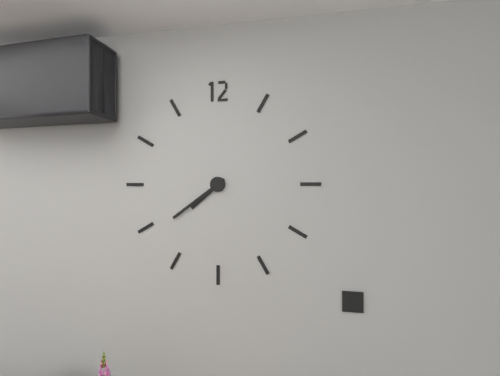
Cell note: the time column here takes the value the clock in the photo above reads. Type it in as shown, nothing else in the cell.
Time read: 7:39
